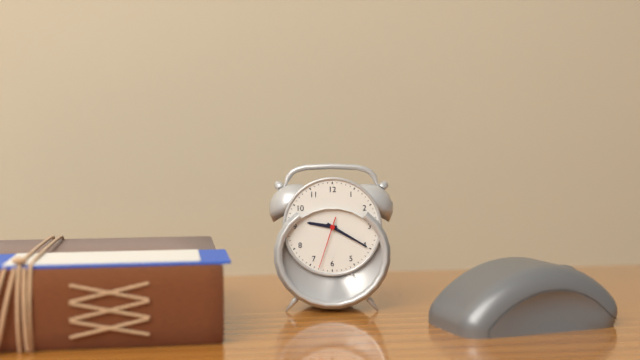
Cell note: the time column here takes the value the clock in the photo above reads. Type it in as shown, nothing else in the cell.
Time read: 9:20:33
